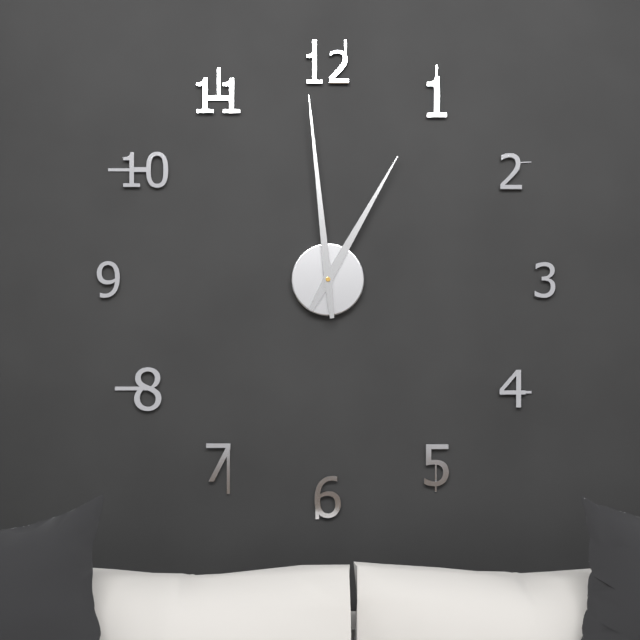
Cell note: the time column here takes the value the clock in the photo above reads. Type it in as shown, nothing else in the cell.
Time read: 12:59
